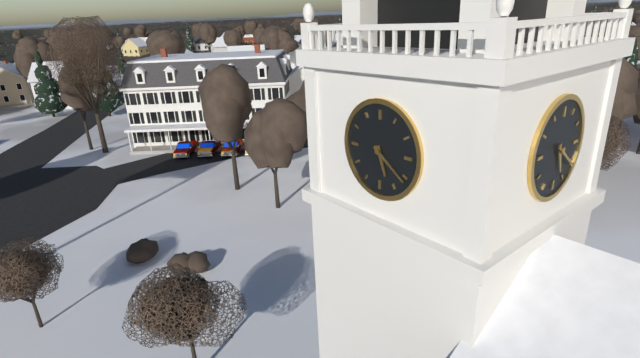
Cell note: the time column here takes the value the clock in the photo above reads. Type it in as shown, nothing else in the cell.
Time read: 5:21
